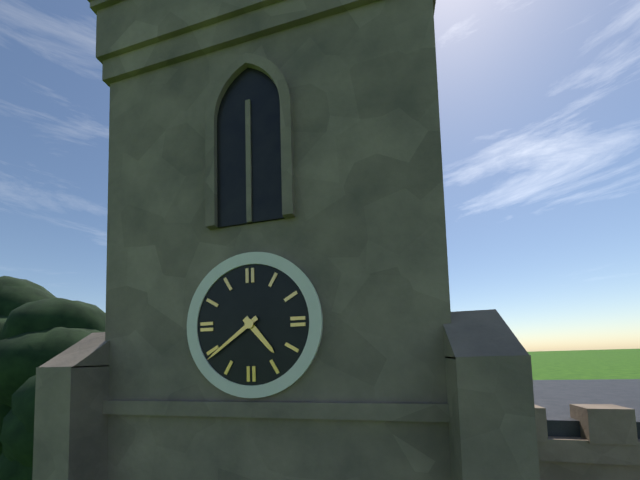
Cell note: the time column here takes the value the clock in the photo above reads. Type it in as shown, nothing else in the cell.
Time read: 4:39
